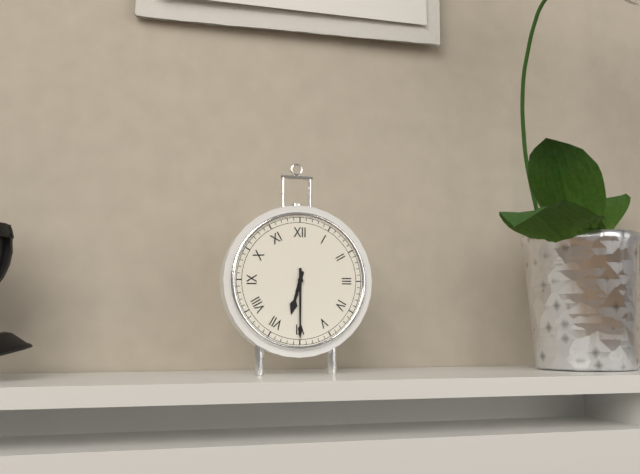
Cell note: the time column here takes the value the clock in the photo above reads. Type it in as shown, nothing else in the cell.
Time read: 6:30
